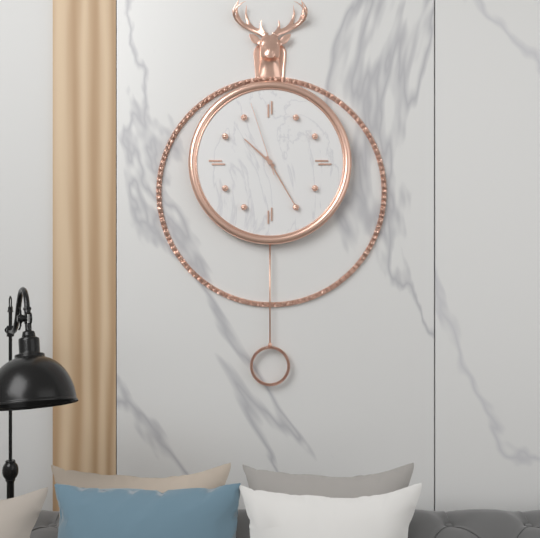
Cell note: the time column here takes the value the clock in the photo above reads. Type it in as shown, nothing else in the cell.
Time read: 10:25:57
